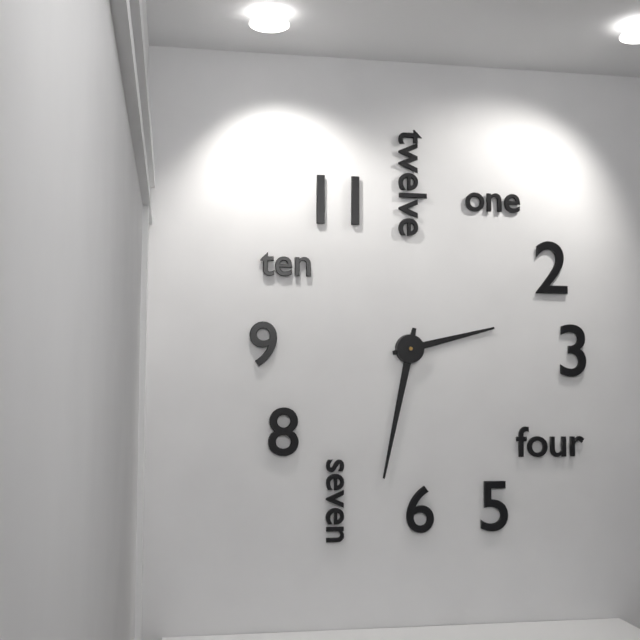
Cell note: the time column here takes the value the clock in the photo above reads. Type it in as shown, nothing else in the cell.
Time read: 2:32
